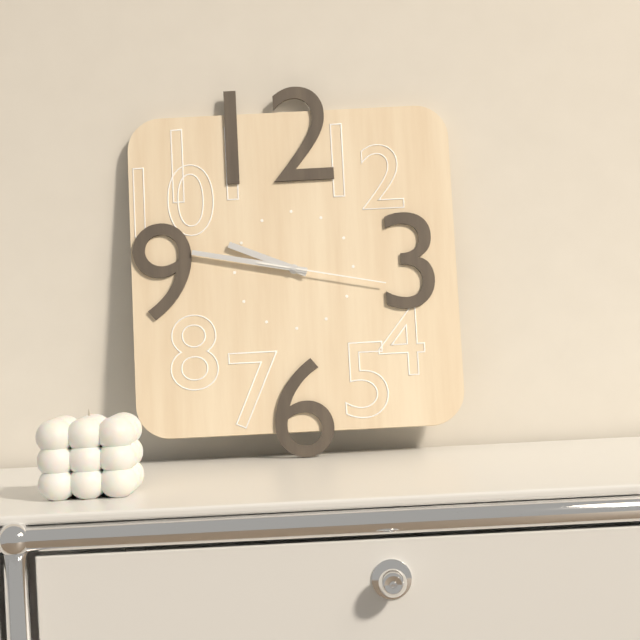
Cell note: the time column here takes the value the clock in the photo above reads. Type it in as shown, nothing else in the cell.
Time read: 9:47:17
